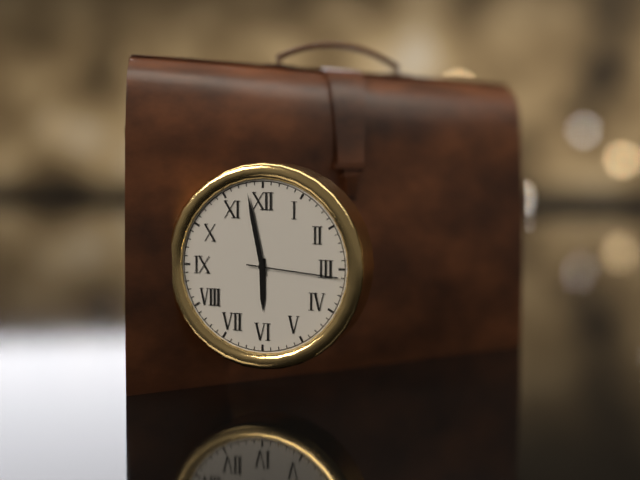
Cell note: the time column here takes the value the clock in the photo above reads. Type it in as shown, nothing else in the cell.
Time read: 5:58:16
